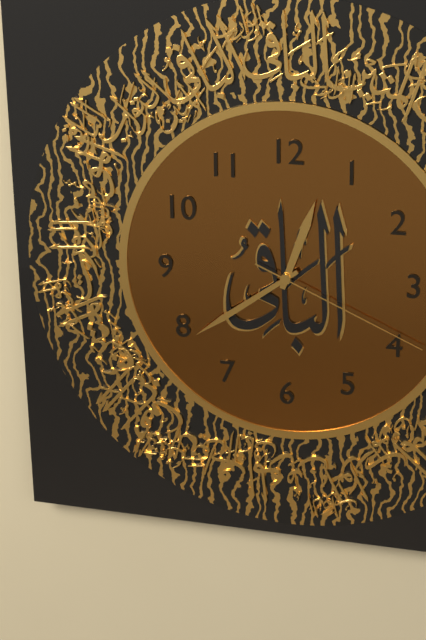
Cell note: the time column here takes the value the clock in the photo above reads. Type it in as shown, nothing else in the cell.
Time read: 12:39:19
